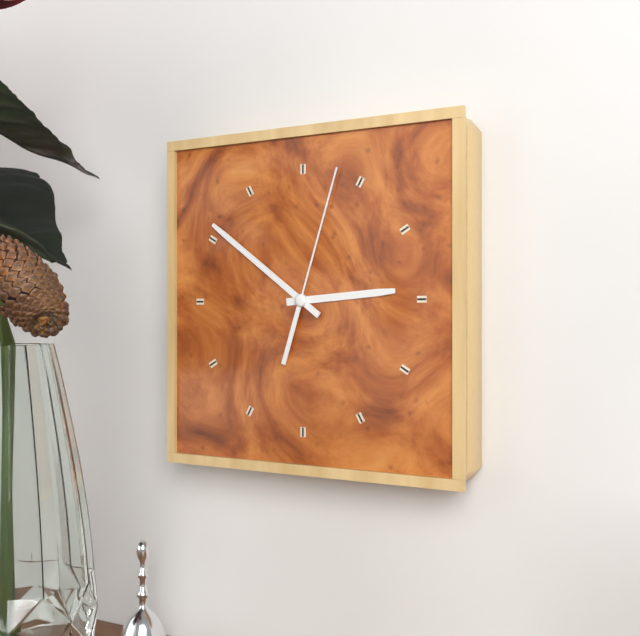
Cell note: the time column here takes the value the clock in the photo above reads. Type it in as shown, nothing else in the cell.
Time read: 2:51:03
